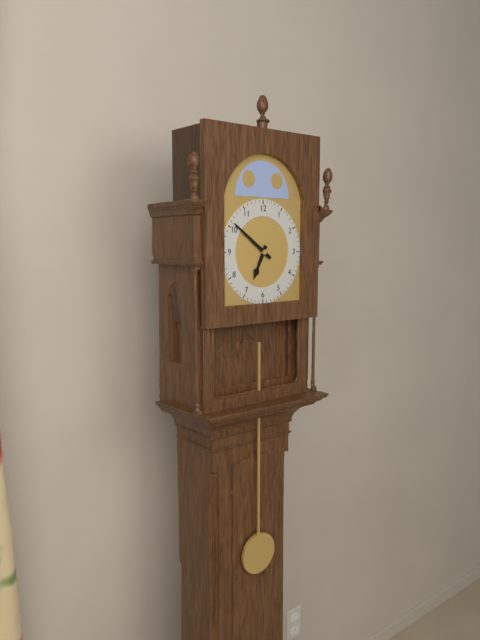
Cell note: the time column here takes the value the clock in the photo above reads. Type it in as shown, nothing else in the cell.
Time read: 6:51
